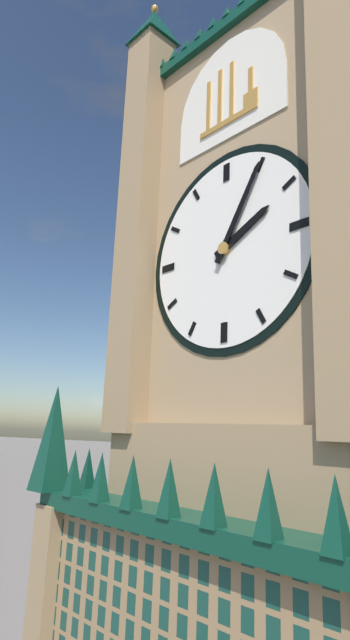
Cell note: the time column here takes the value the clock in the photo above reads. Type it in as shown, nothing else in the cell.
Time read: 2:05
